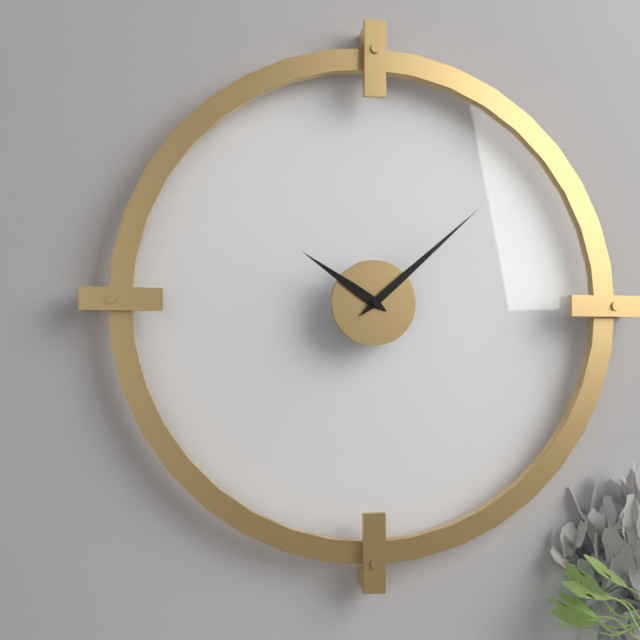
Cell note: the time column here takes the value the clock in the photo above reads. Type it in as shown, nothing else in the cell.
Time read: 10:08
